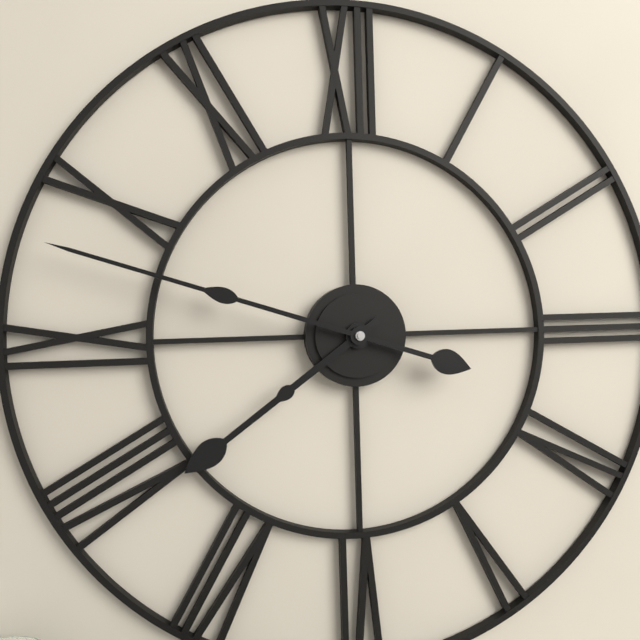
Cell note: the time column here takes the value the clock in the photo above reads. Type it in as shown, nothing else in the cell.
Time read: 7:48
